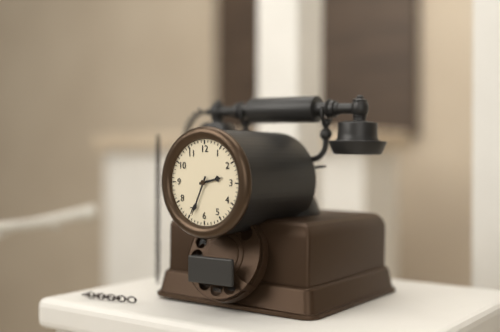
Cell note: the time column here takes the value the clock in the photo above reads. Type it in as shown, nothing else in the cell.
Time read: 2:34
